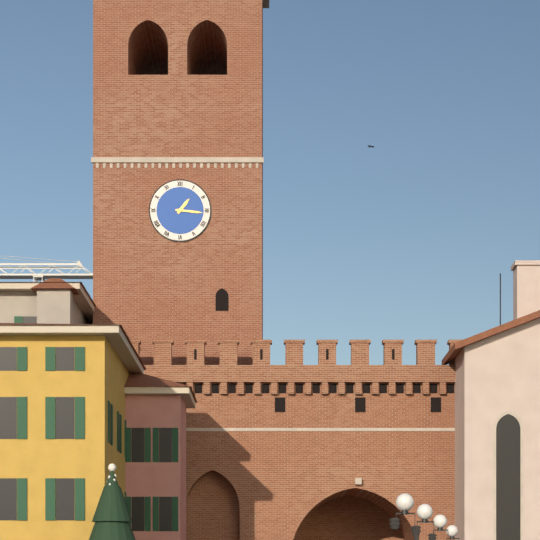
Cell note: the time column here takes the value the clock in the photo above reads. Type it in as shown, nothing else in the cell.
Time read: 1:16
